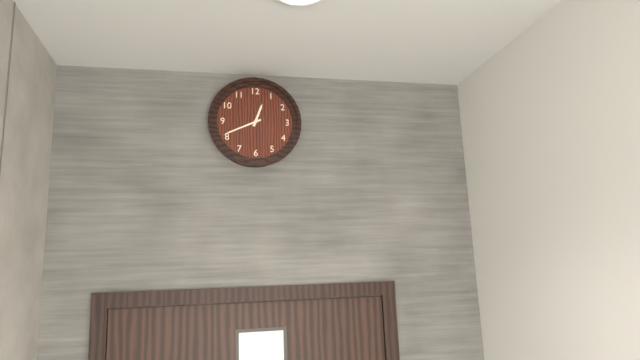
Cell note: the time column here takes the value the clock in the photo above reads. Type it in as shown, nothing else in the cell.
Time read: 12:41
